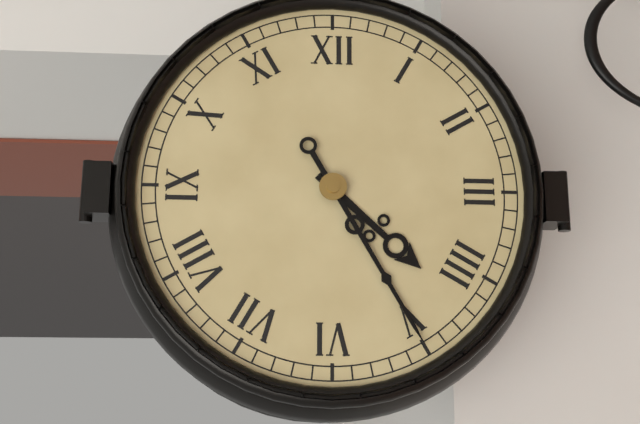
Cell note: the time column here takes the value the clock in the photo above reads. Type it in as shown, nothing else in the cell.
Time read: 4:25
